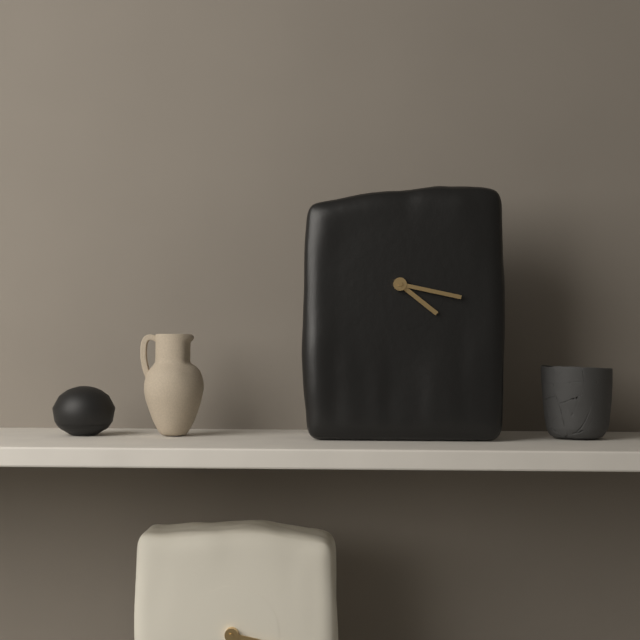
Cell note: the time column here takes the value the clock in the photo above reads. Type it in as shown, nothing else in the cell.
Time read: 4:17
